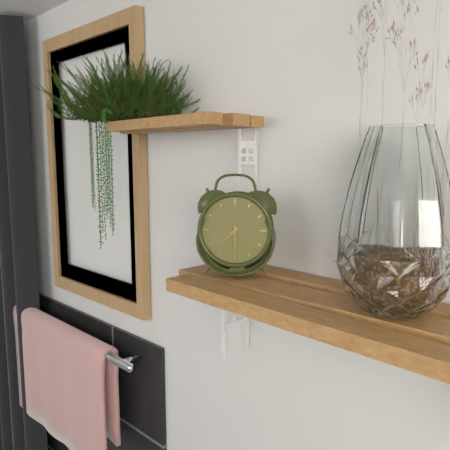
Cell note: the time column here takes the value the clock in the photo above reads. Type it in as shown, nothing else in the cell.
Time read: 7:30
